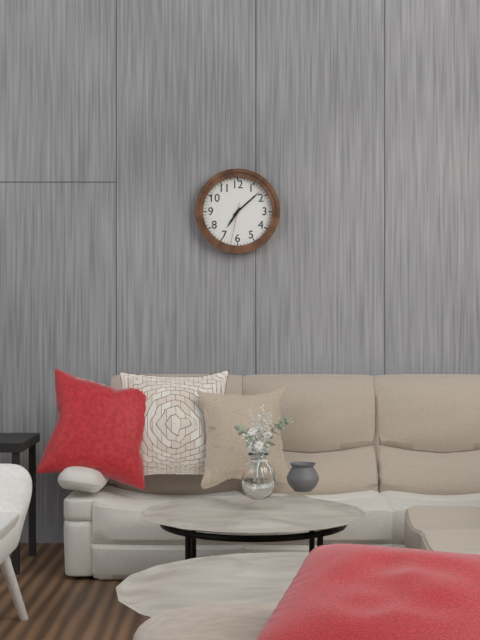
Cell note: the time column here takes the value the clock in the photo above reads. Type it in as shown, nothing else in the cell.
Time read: 7:08
